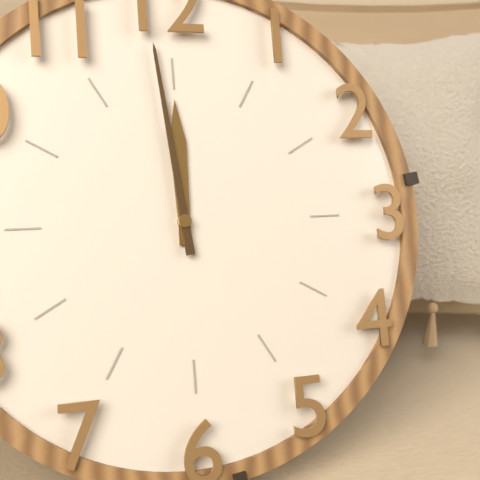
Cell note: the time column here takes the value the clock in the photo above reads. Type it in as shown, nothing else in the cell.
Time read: 11:59
